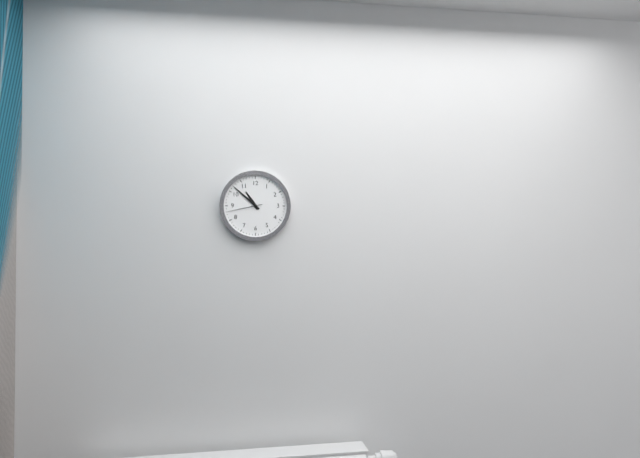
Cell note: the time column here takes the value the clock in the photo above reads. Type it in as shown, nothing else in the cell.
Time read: 10:52
